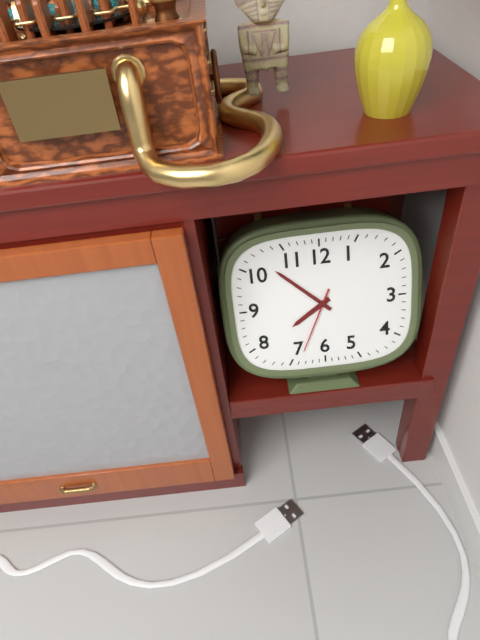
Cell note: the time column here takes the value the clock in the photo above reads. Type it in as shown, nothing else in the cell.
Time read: 7:52:34
